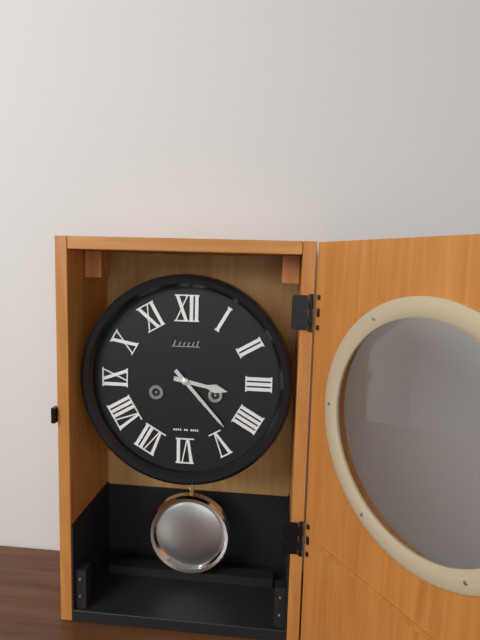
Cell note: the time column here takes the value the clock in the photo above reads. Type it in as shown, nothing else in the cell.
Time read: 3:23
